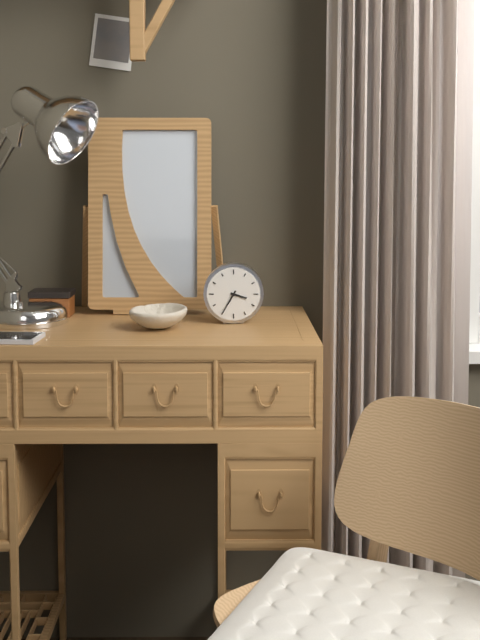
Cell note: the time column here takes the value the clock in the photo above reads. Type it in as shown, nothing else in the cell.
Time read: 3:35
